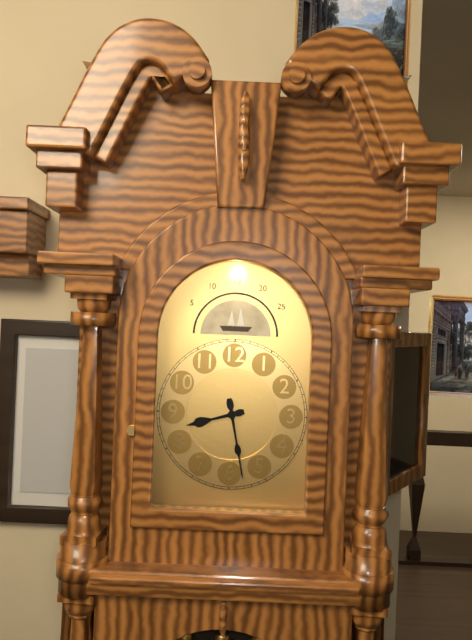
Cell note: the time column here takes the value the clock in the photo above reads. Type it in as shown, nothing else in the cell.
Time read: 8:28
